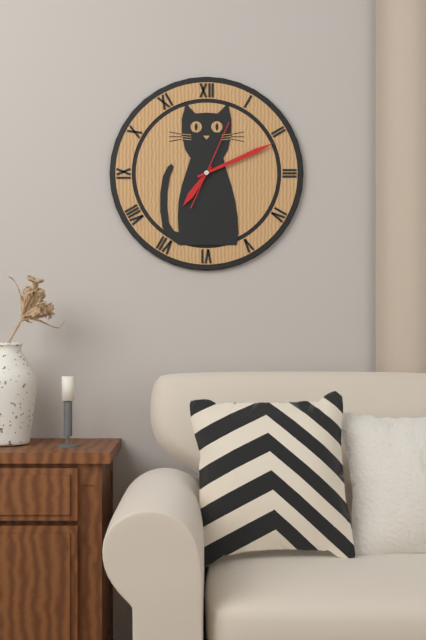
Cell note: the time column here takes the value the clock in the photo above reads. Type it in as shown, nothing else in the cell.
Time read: 7:11:04
